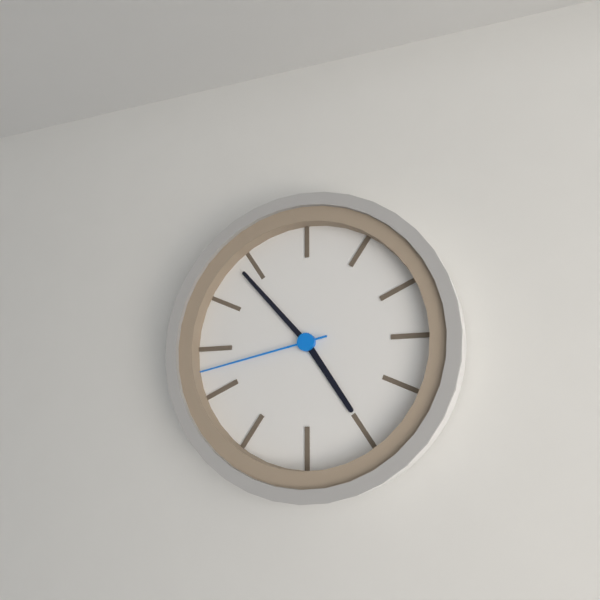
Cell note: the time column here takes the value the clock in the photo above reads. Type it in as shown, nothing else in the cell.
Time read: 4:53:43
